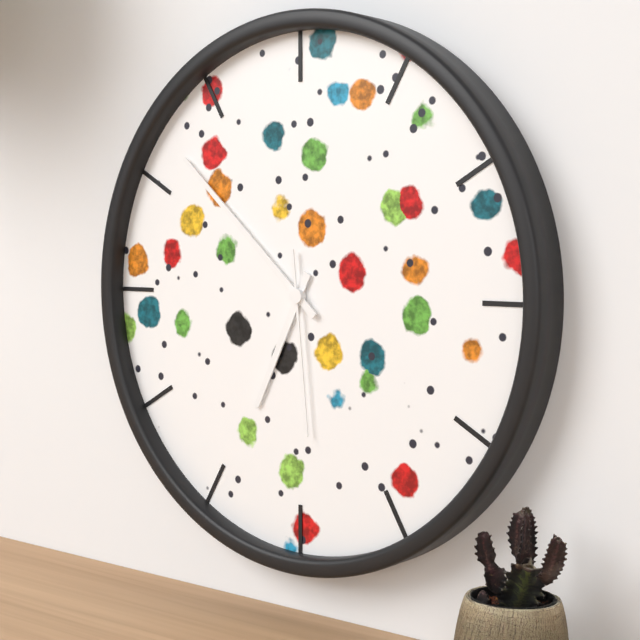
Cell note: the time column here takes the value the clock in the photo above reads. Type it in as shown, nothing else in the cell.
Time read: 6:52:29
